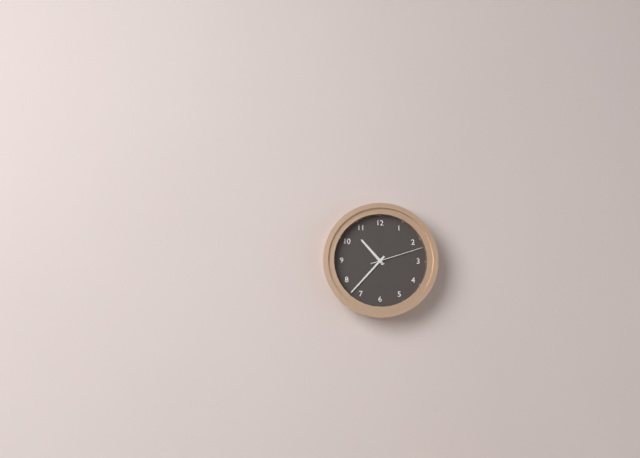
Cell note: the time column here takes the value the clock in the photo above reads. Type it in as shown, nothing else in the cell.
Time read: 10:37:12
